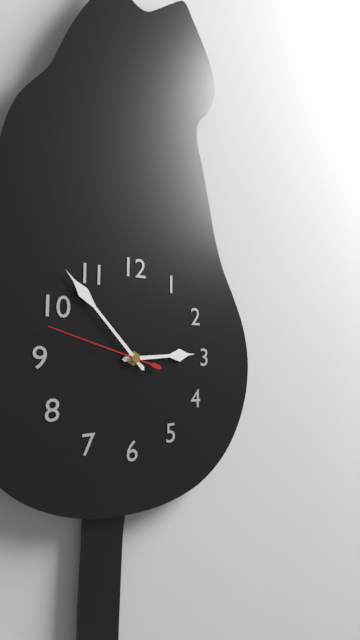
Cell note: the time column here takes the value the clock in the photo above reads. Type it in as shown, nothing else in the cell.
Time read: 2:53:48
